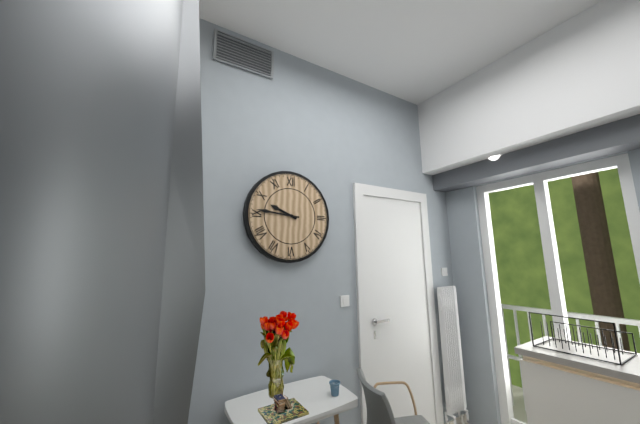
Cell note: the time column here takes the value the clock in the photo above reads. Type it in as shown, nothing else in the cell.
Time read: 9:46
